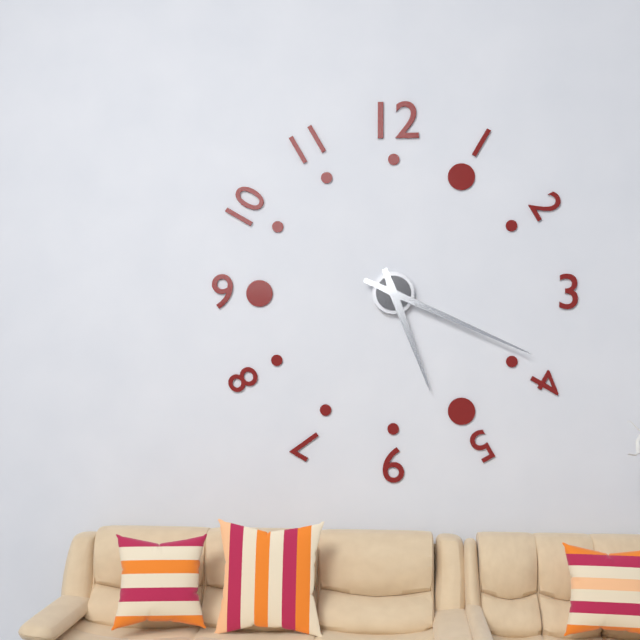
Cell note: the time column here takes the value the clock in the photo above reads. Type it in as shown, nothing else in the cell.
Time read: 5:19
